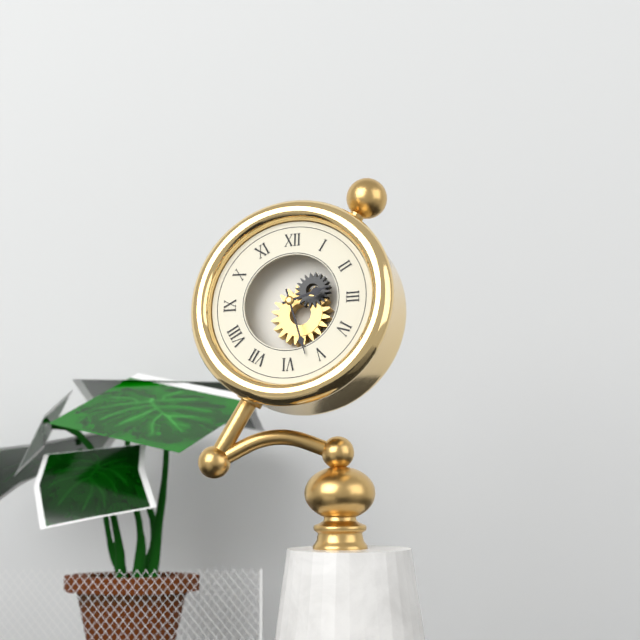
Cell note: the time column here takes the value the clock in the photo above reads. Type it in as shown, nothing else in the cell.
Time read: 2:27
